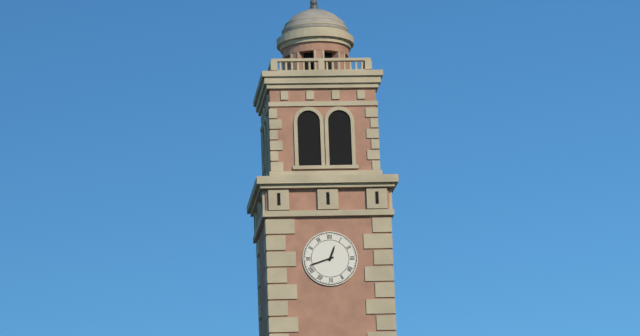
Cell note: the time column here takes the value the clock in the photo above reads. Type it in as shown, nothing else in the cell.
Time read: 12:42
